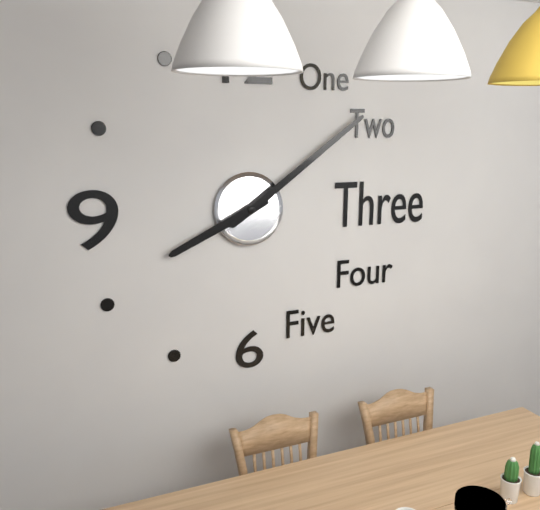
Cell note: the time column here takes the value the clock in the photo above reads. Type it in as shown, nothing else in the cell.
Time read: 8:09
